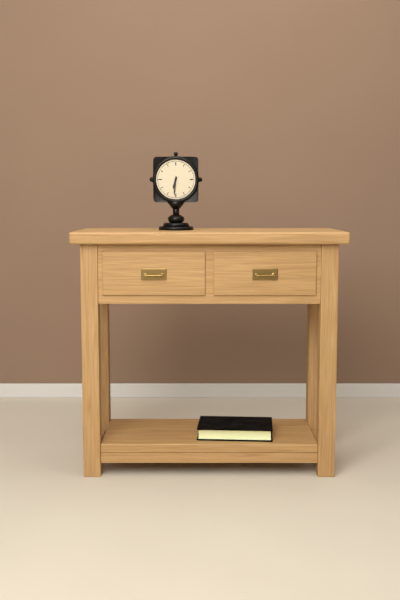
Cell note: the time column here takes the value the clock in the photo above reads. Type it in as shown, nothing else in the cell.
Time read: 6:31
